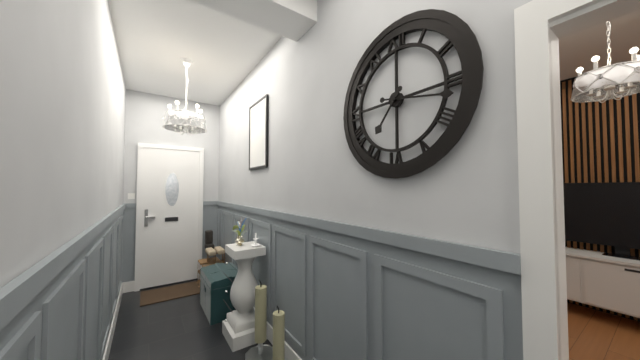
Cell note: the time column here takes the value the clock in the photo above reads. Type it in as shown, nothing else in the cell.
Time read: 7:17
